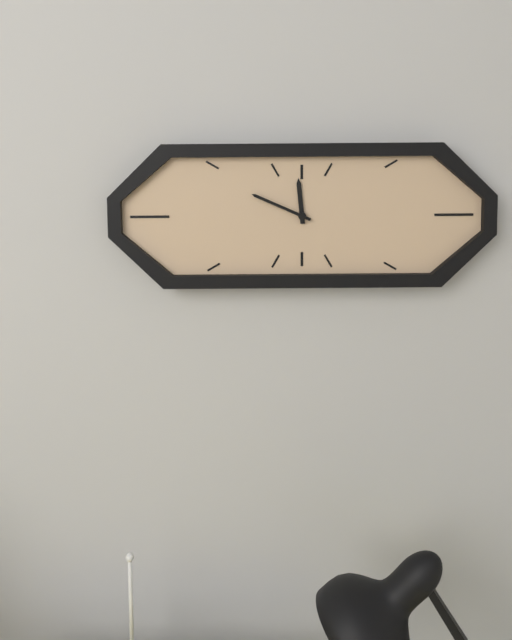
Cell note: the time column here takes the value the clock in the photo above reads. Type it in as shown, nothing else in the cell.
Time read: 11:49
